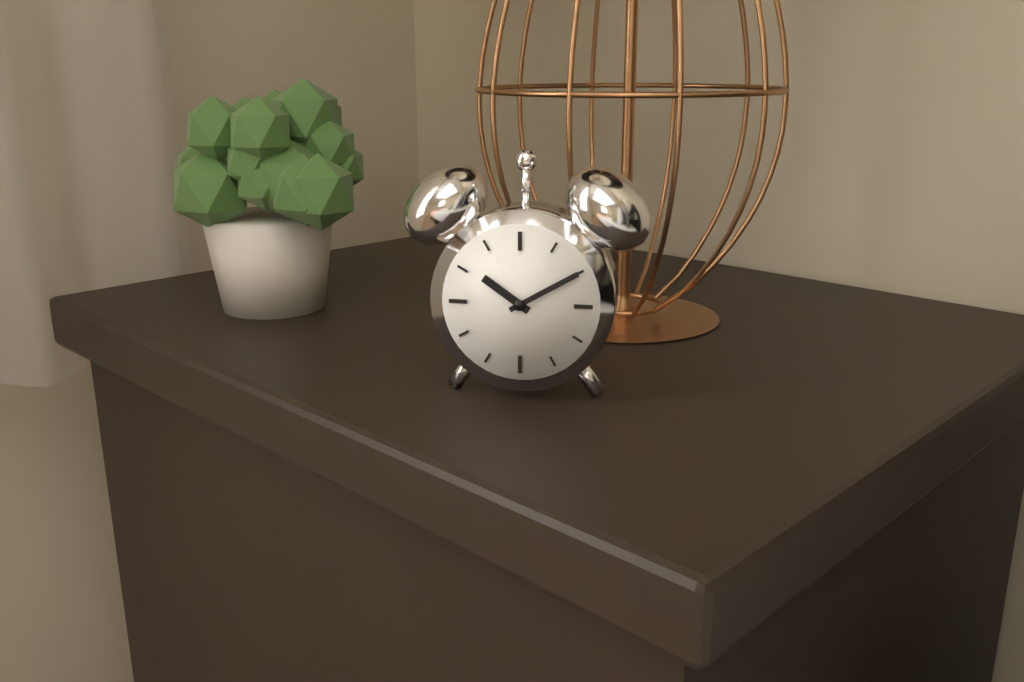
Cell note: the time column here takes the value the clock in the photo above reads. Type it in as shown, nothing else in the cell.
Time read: 10:10
